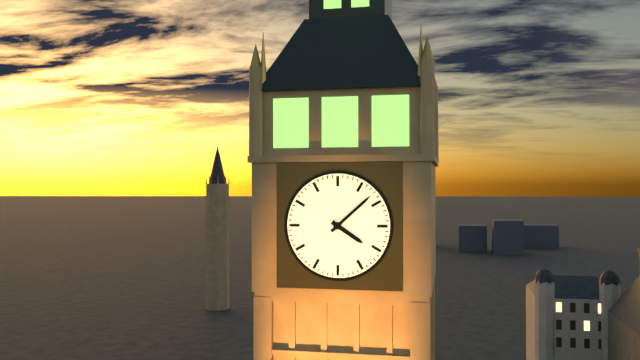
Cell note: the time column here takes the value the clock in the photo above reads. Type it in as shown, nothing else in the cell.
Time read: 4:08
